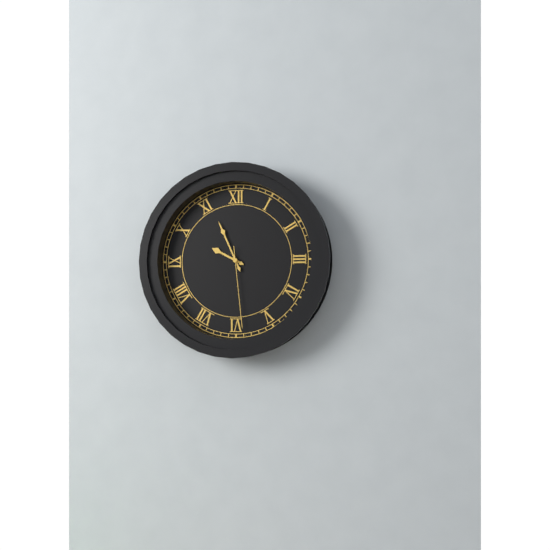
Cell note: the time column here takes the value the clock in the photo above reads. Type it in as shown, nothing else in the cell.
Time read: 9:56:29
